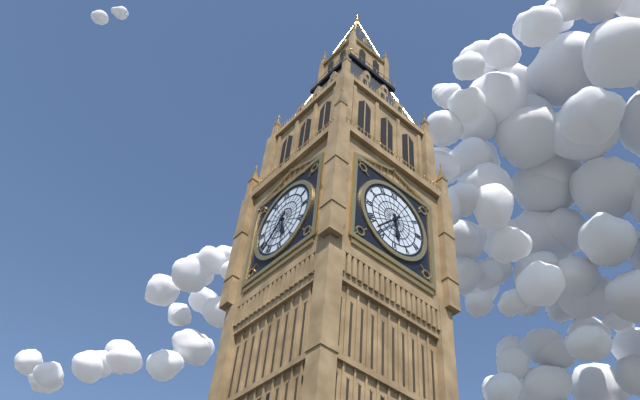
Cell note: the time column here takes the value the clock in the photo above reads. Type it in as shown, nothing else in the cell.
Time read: 5:37
